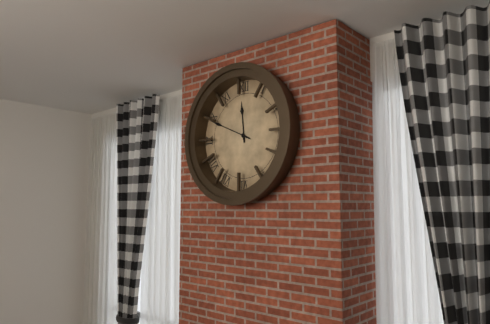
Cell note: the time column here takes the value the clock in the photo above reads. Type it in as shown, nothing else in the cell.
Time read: 11:49
